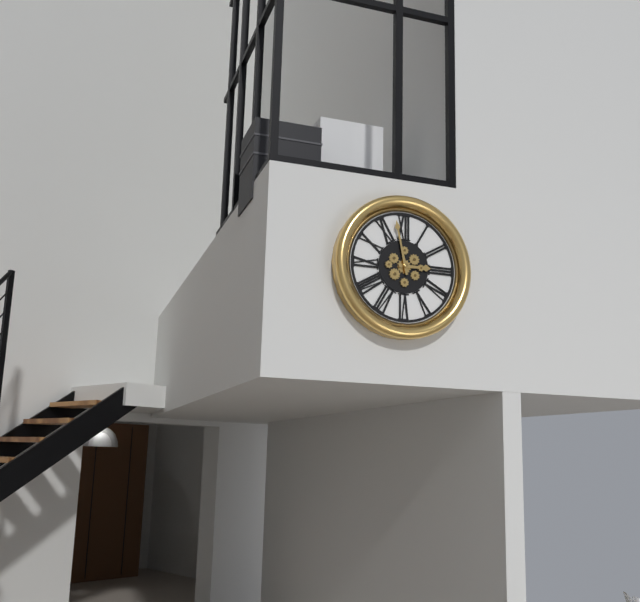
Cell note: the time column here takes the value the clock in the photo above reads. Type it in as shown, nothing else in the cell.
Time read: 2:58
